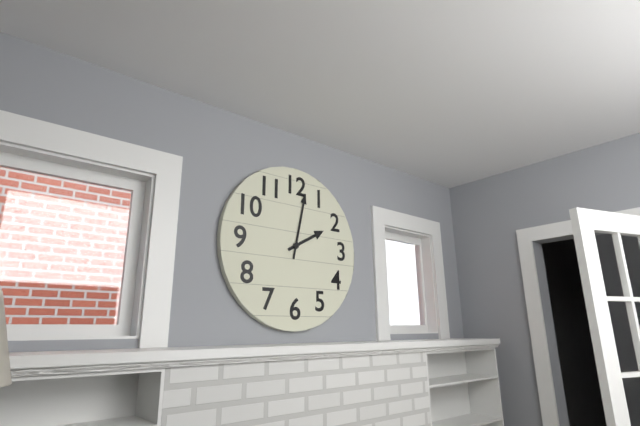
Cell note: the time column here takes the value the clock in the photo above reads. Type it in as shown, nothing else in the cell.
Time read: 2:02
